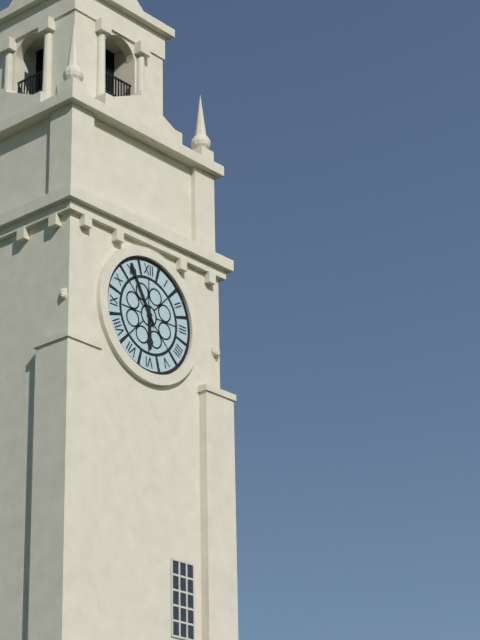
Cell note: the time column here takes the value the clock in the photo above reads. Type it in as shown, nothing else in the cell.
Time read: 5:55
